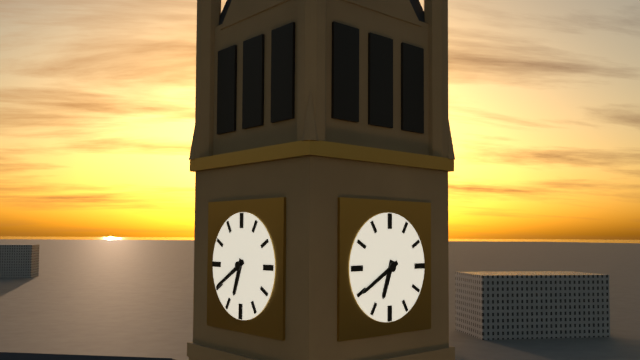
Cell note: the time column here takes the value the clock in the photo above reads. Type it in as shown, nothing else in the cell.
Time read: 6:40
